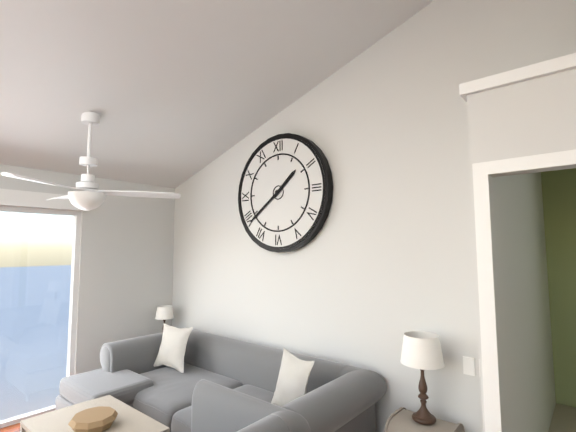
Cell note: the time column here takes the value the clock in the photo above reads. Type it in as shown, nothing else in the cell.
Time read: 1:39
